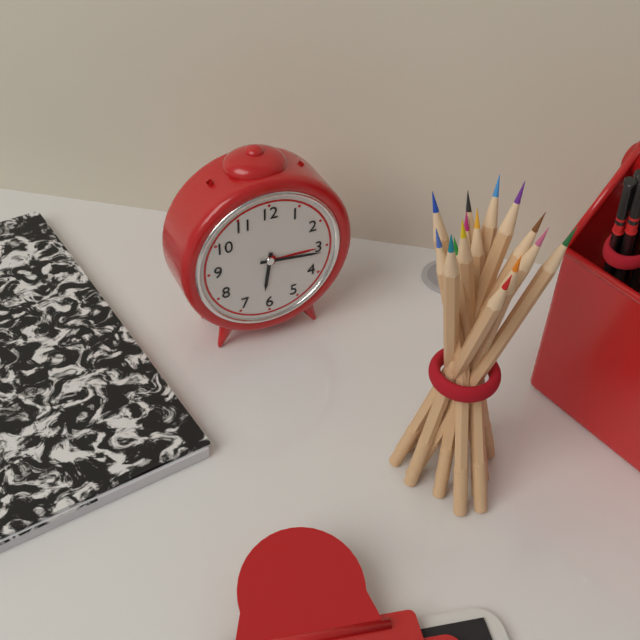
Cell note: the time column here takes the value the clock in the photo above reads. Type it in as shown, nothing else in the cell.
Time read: 6:16
